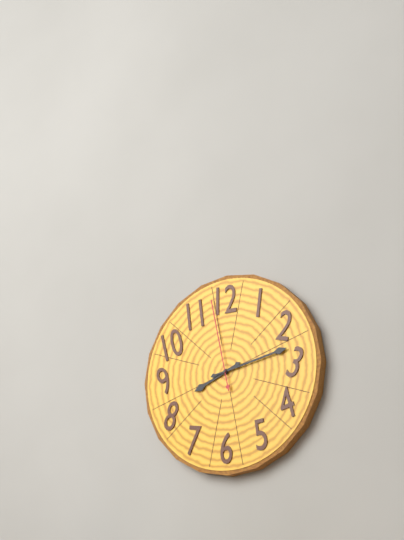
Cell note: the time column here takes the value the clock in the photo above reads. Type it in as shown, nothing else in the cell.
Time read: 8:13:58
